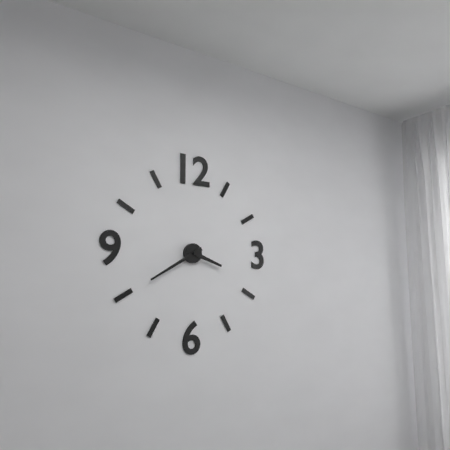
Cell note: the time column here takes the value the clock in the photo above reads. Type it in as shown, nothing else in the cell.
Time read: 3:40
